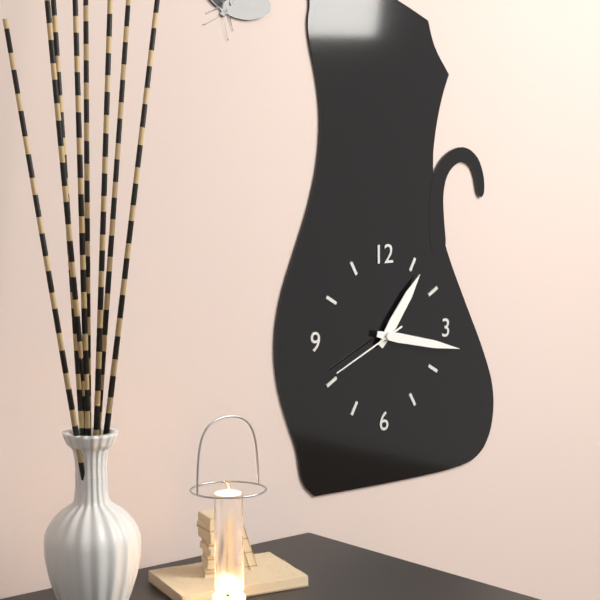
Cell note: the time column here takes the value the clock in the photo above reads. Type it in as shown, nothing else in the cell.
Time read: 1:17:41
